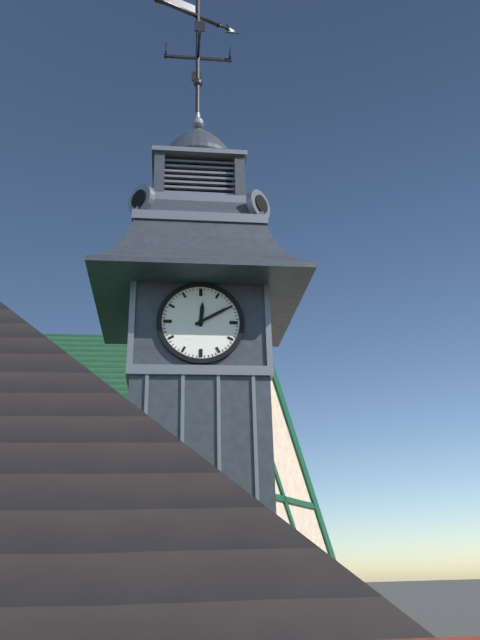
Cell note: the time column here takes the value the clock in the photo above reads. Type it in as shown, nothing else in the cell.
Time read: 12:10
